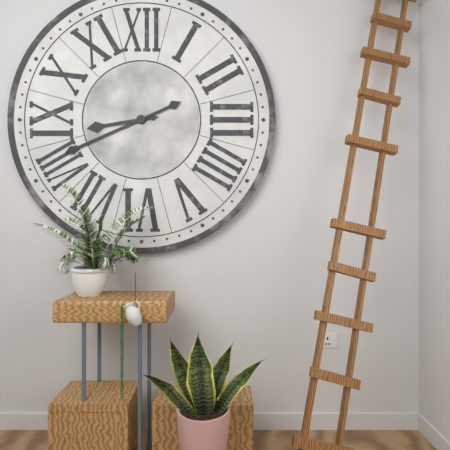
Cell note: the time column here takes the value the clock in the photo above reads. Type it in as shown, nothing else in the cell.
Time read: 8:41
